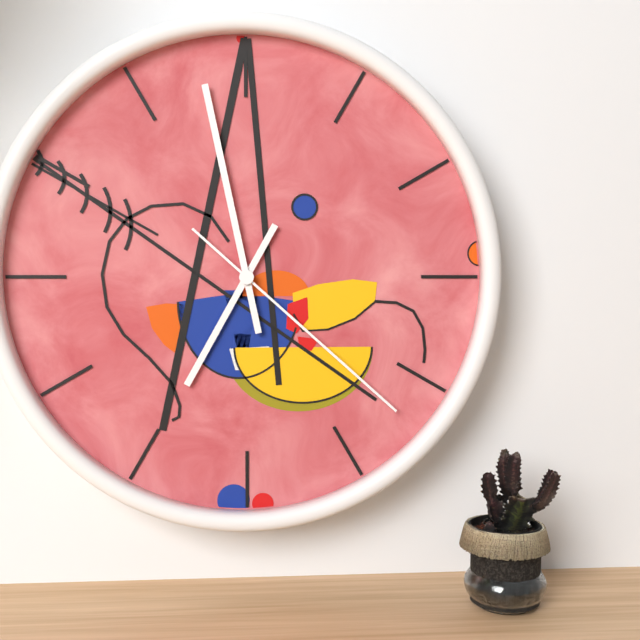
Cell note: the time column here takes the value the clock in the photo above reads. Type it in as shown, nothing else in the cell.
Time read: 6:58:22
